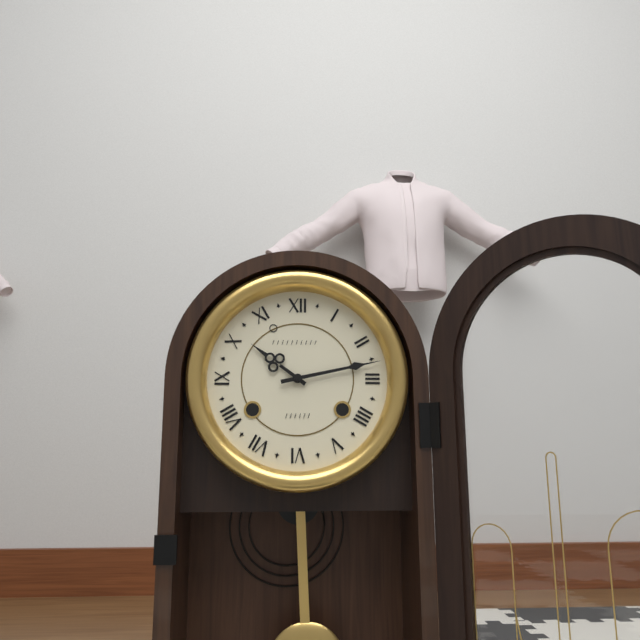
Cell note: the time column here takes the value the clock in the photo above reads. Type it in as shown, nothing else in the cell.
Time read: 10:13
